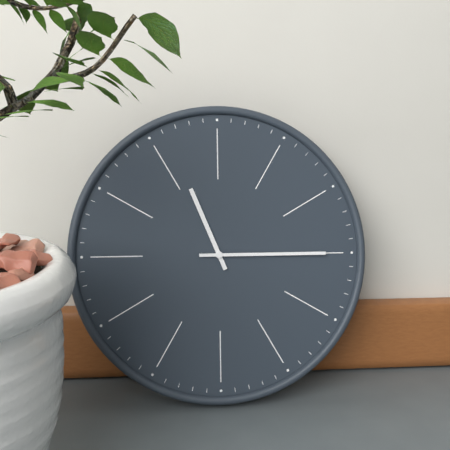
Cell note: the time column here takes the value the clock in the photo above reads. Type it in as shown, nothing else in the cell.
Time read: 11:15
